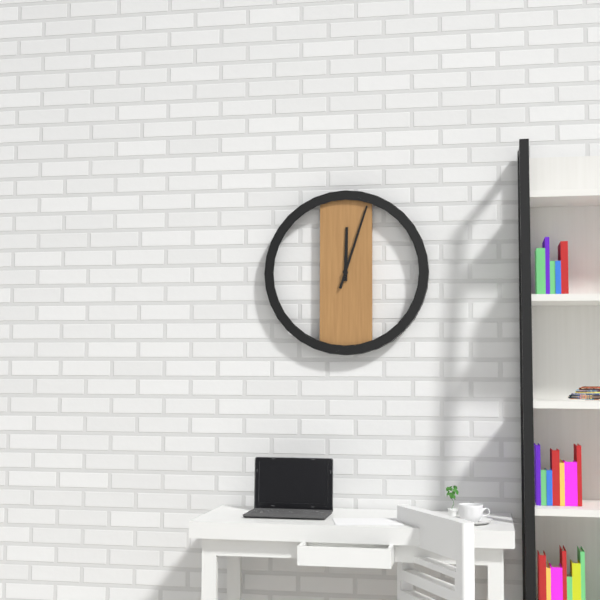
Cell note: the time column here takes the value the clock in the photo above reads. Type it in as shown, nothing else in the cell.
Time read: 12:03
